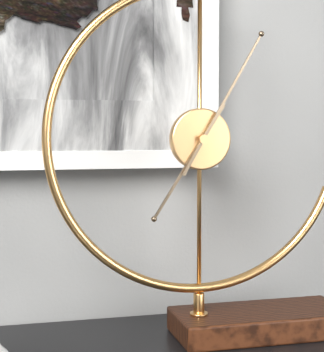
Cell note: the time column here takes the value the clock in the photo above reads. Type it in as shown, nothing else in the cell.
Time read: 7:05
